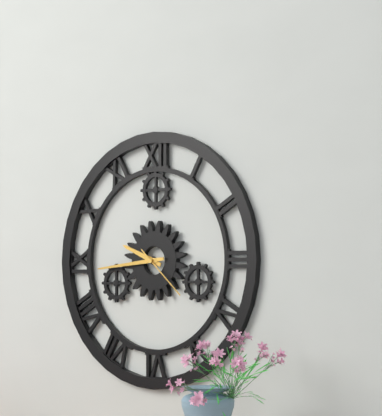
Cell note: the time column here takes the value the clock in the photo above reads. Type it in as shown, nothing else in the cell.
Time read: 9:44:22
